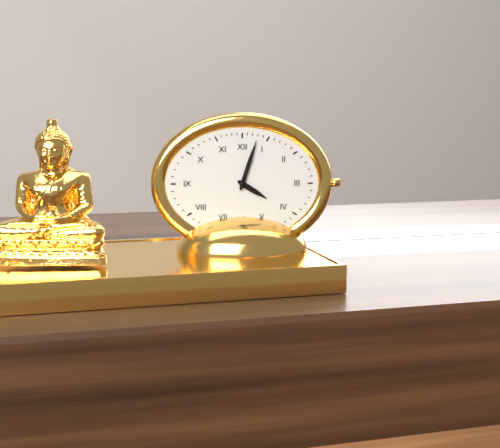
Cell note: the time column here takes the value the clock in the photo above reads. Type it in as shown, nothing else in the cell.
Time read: 4:03
